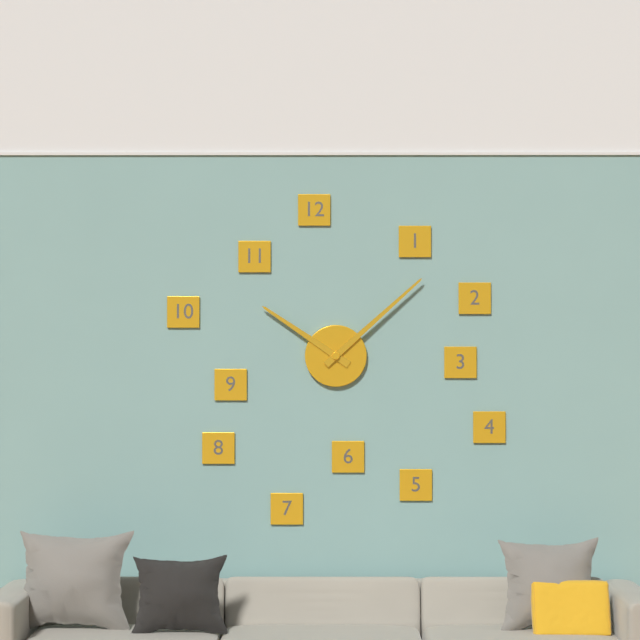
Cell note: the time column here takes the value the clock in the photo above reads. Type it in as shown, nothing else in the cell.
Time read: 10:08
